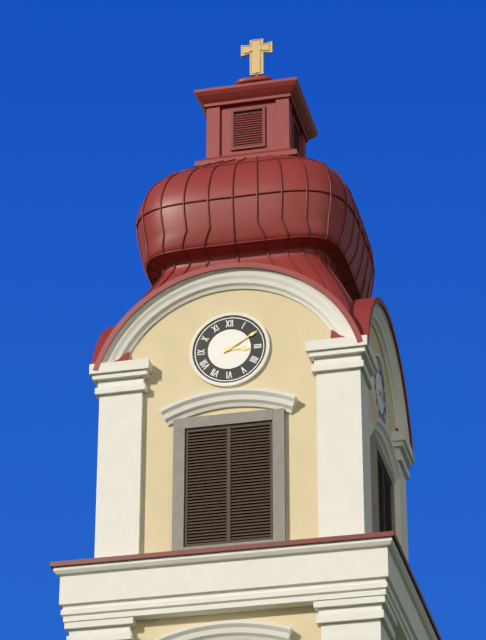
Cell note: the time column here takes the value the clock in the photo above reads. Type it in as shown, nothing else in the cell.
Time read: 3:10
